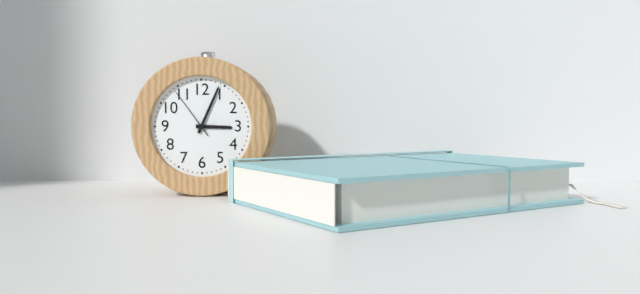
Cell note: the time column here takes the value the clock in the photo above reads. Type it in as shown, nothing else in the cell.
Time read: 3:04:54
